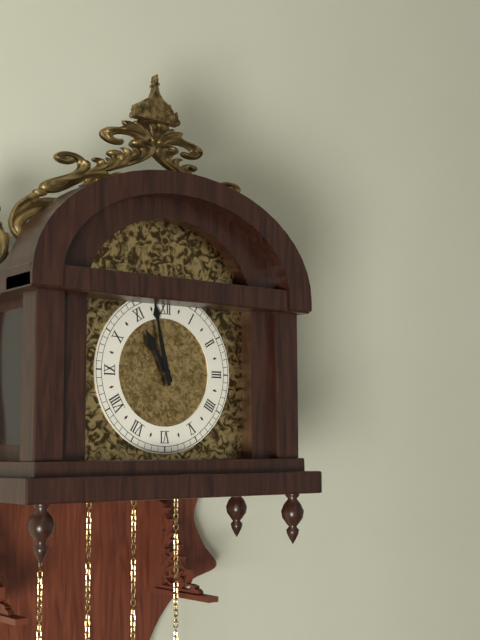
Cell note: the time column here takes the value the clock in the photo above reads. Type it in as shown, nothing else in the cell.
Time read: 10:58
